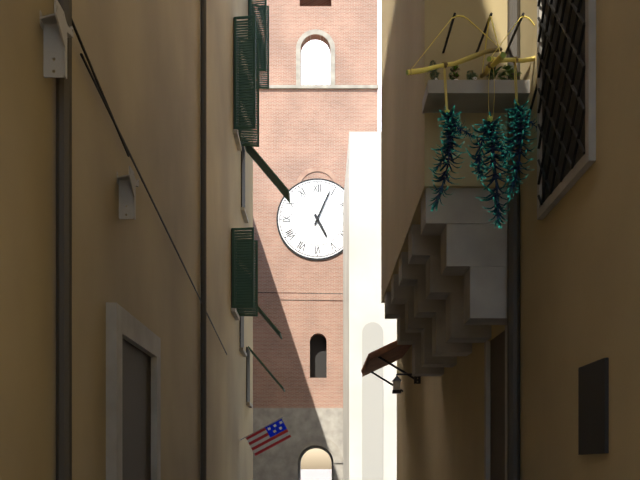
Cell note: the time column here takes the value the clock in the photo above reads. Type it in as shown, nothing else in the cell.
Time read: 5:04
